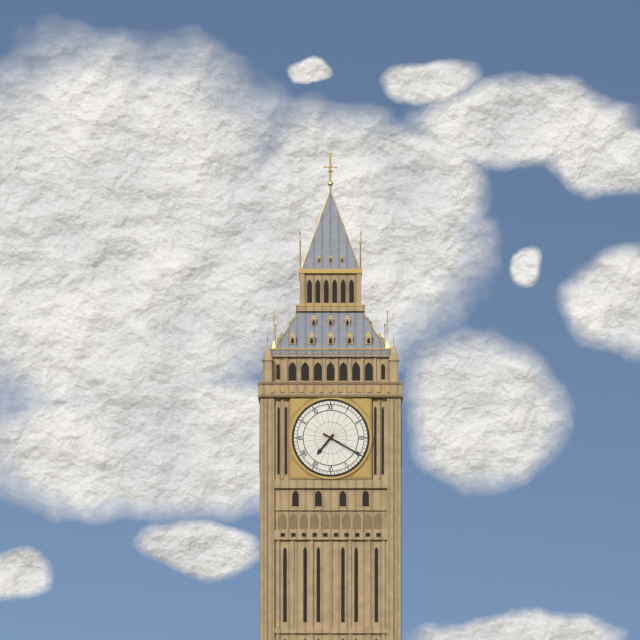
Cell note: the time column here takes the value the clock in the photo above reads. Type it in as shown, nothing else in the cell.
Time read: 7:20
